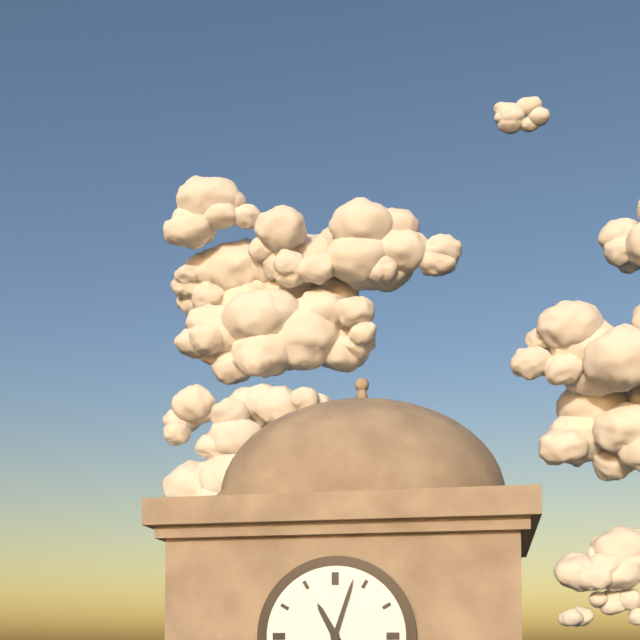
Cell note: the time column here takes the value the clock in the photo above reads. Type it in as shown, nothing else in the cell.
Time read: 11:03
